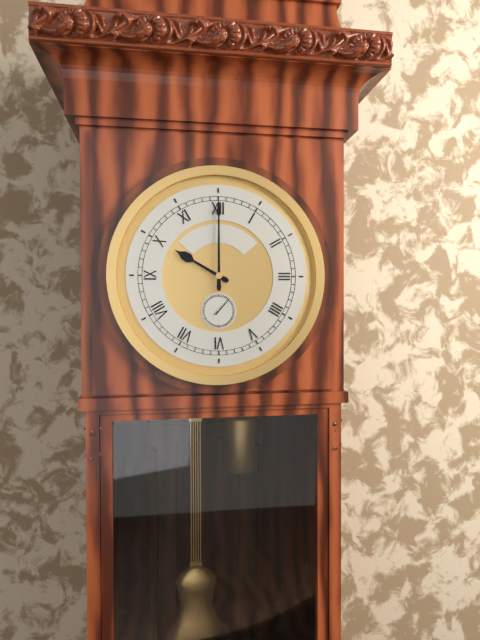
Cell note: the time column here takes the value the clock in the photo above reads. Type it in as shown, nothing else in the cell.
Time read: 10:00
